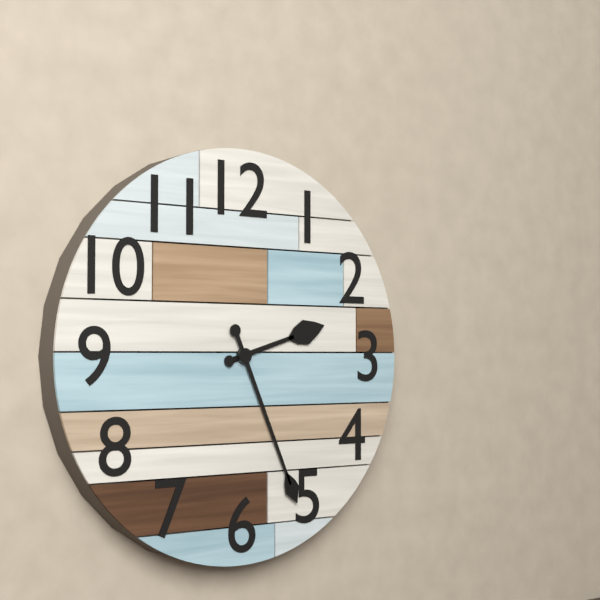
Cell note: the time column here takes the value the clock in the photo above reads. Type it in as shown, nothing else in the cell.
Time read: 2:26
